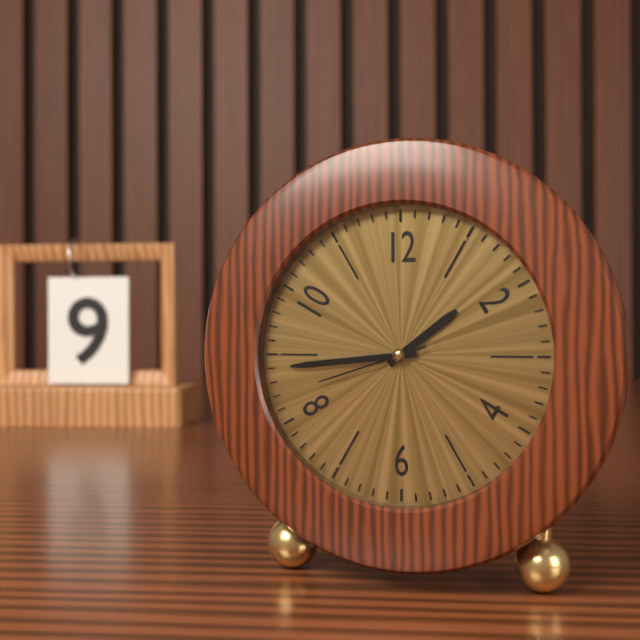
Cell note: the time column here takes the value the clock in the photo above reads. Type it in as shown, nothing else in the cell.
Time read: 1:44:42
